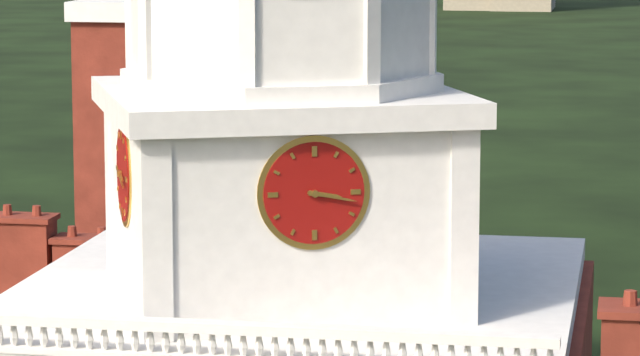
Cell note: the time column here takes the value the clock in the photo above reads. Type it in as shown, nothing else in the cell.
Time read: 3:17
